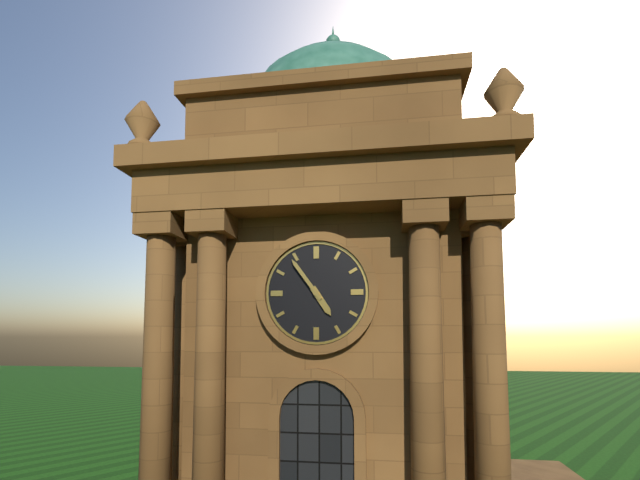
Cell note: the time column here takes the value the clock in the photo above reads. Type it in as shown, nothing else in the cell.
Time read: 4:54
